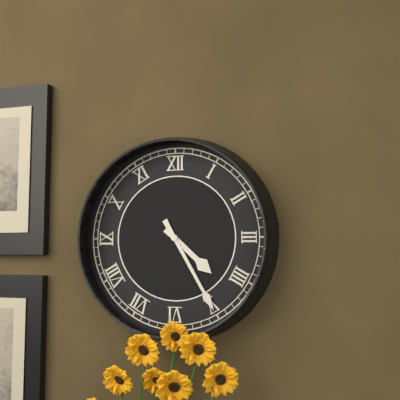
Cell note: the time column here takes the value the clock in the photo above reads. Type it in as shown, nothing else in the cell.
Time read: 4:25
